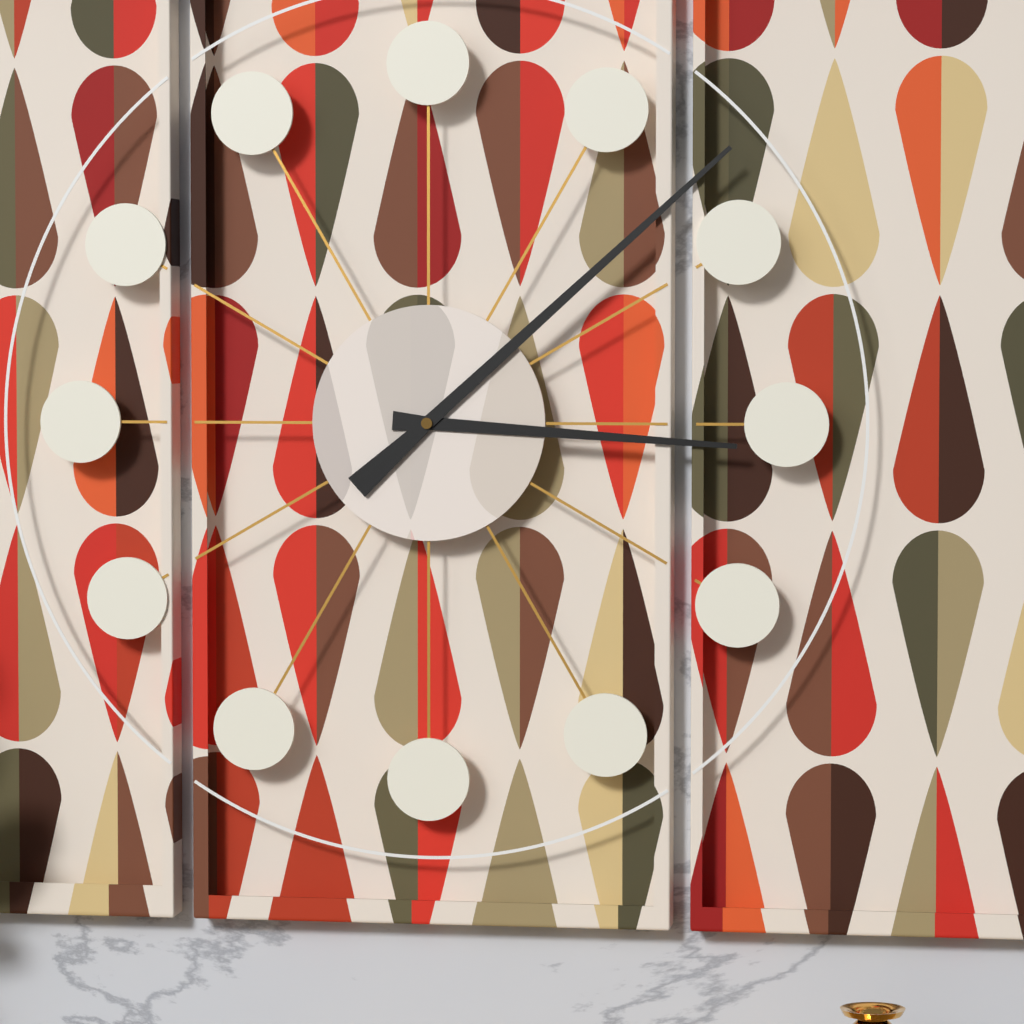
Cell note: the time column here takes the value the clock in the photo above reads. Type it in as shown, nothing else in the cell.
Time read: 3:08
